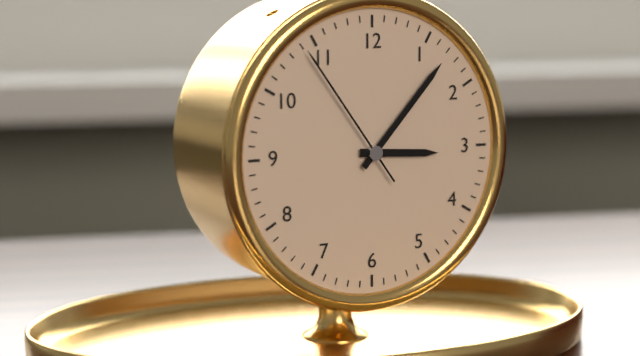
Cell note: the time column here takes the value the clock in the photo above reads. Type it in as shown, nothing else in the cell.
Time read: 3:07:54
